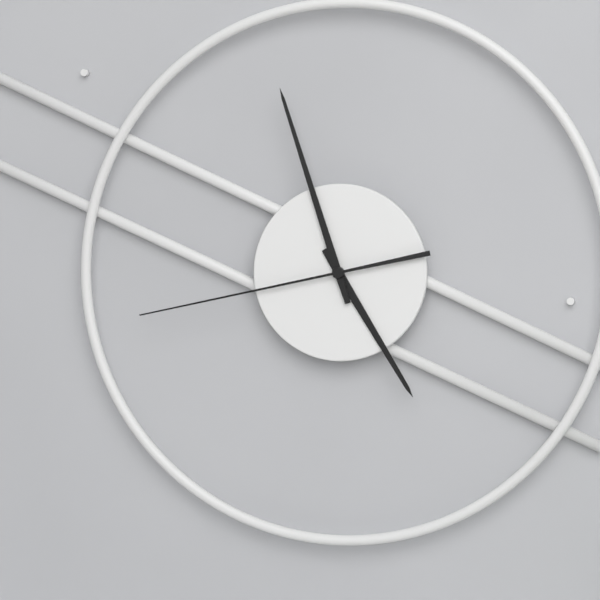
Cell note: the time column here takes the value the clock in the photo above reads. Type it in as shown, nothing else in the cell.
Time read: 4:57:43
